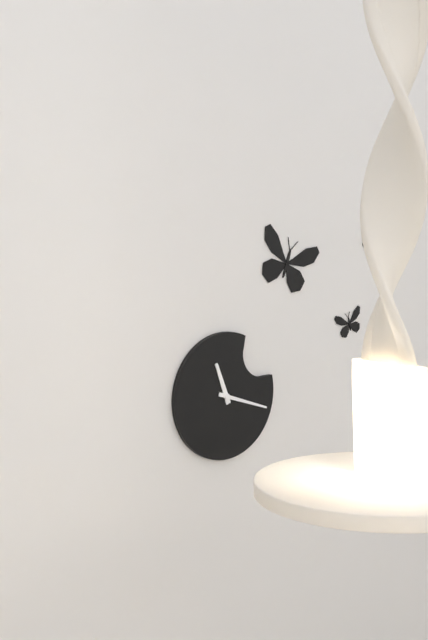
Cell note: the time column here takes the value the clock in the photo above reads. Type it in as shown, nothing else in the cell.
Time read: 11:18
